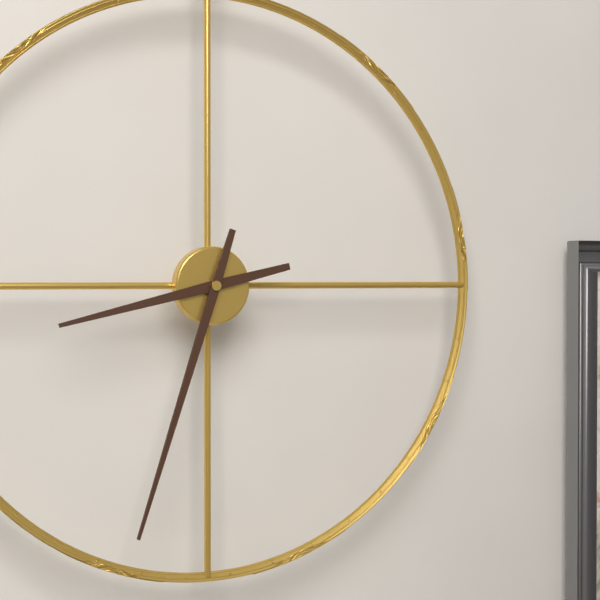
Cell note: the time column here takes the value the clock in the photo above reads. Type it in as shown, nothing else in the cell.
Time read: 8:33
